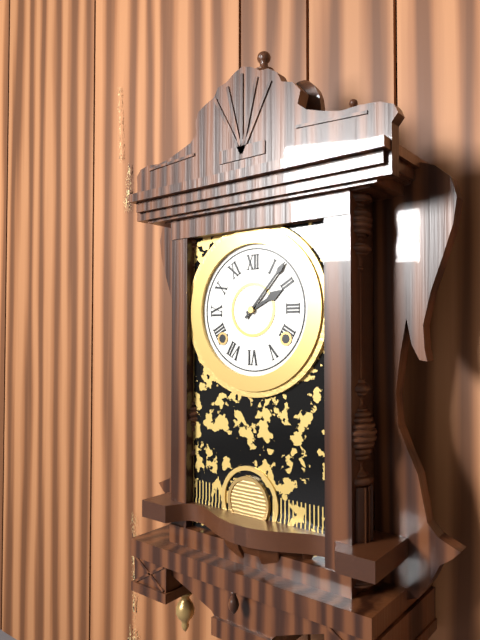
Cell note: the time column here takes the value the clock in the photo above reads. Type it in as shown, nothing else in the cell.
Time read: 2:07
